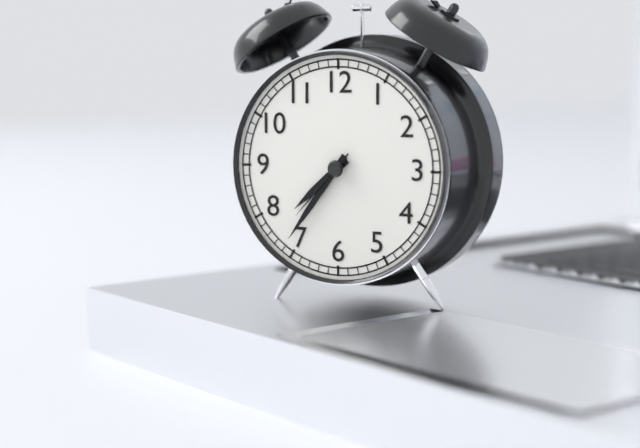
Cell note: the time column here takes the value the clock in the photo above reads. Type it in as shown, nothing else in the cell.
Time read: 7:36:37
